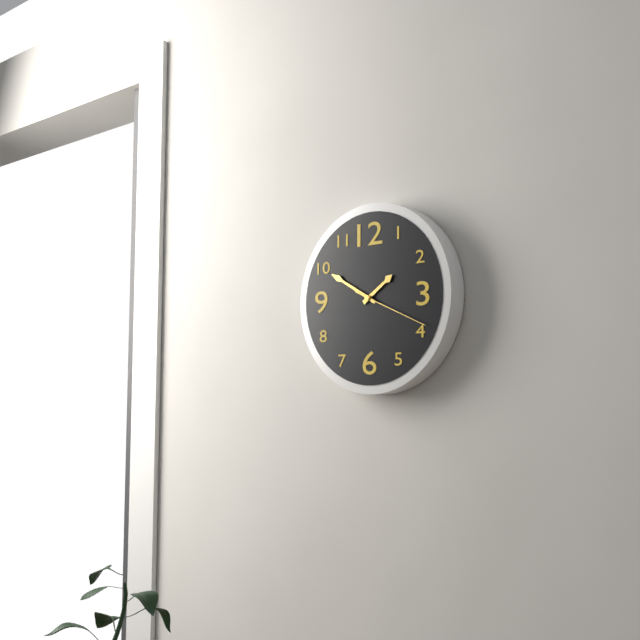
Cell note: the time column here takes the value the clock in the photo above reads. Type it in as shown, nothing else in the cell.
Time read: 1:50:19
